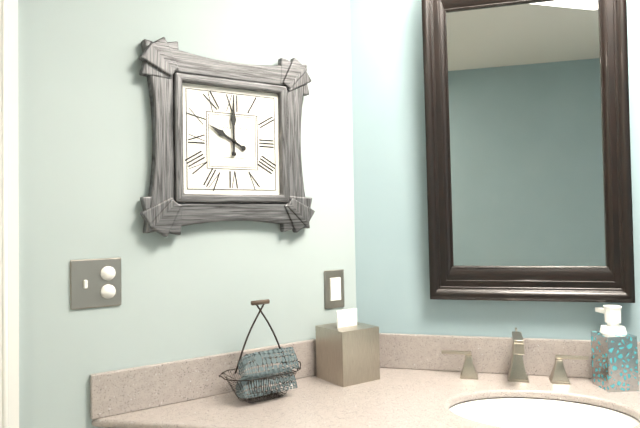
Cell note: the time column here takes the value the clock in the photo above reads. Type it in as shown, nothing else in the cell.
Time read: 10:00
